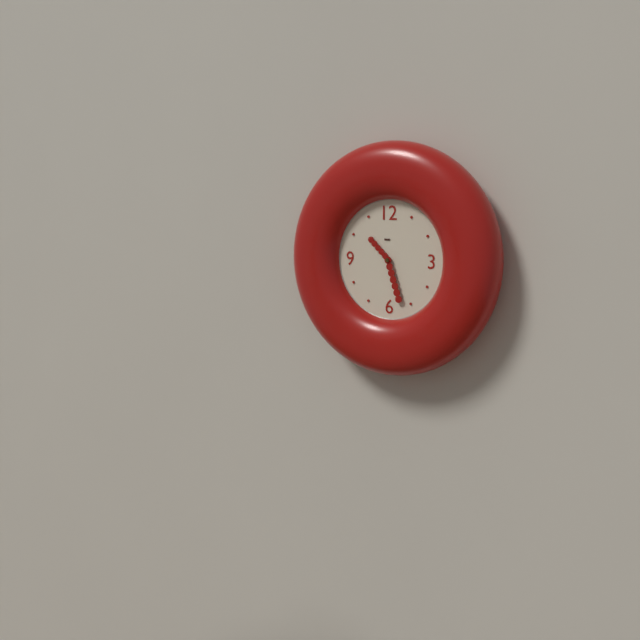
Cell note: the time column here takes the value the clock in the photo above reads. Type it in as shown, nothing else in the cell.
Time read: 10:27
